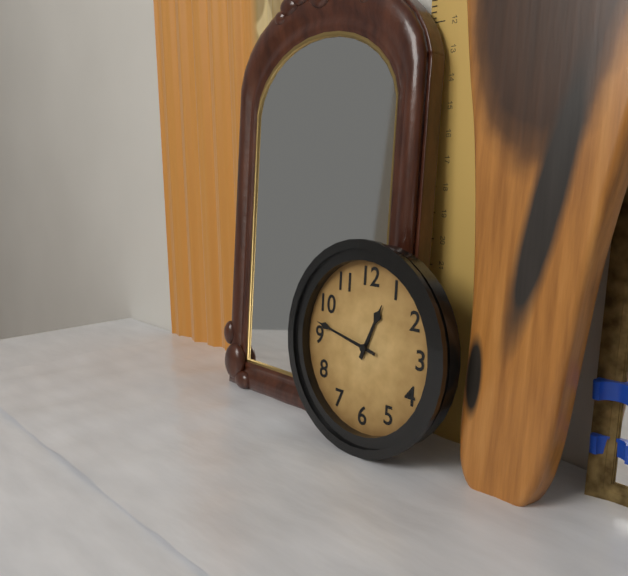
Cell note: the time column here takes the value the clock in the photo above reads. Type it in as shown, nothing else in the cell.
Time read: 12:47
